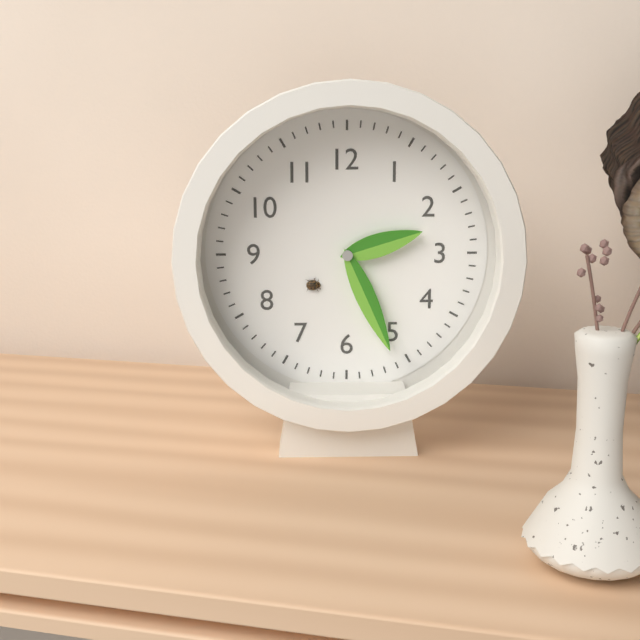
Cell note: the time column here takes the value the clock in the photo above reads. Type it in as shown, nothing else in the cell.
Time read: 2:26
